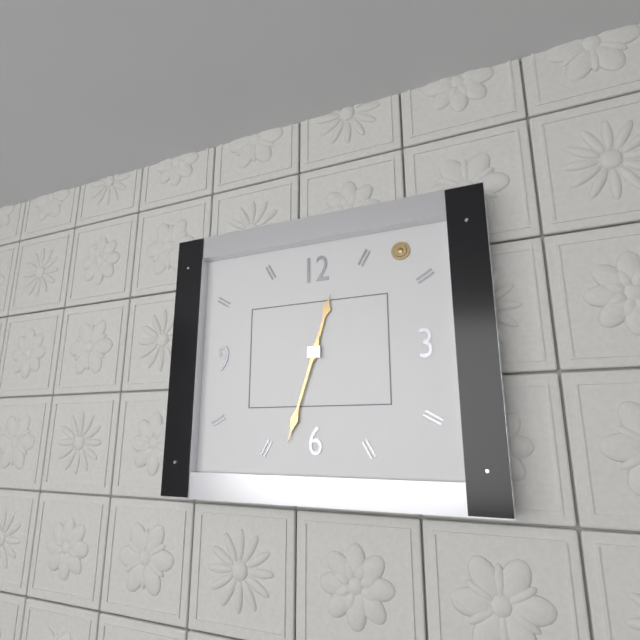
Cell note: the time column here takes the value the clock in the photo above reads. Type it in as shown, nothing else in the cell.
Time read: 12:33
